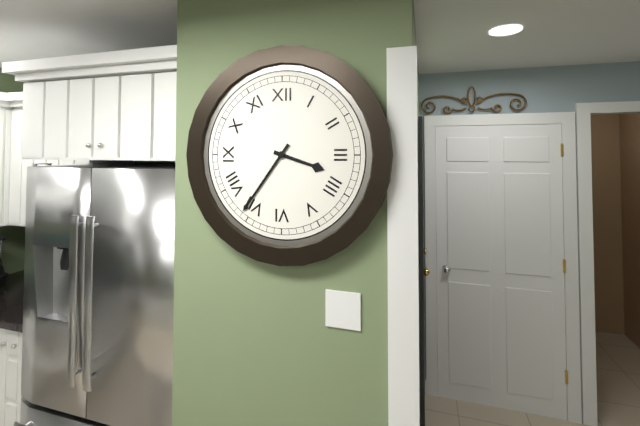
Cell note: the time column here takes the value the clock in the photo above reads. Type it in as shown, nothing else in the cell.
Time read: 3:36
